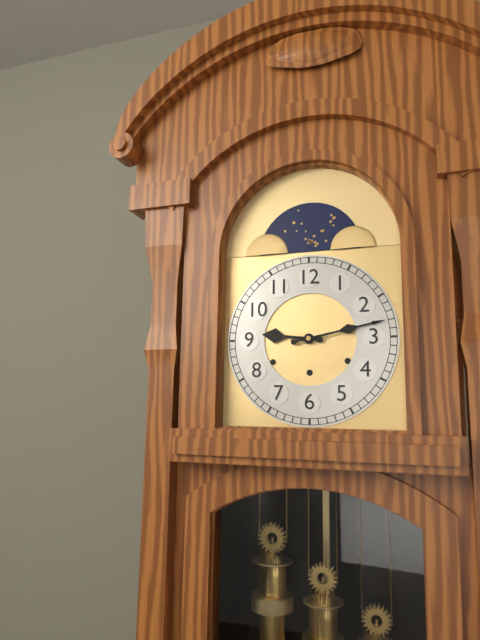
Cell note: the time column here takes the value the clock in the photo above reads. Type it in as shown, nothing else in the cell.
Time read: 9:13
